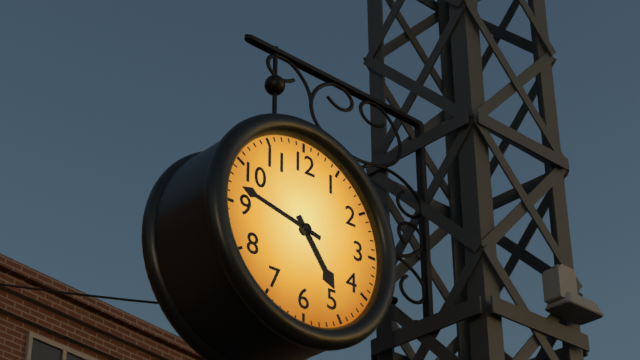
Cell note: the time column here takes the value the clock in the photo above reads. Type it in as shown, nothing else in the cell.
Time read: 4:47
